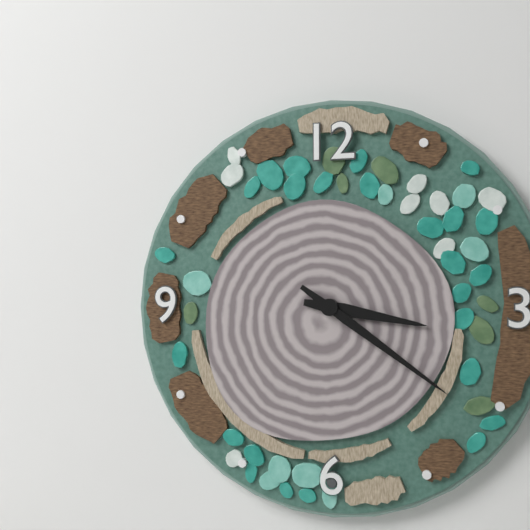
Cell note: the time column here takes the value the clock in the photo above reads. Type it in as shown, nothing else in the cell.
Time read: 3:21
